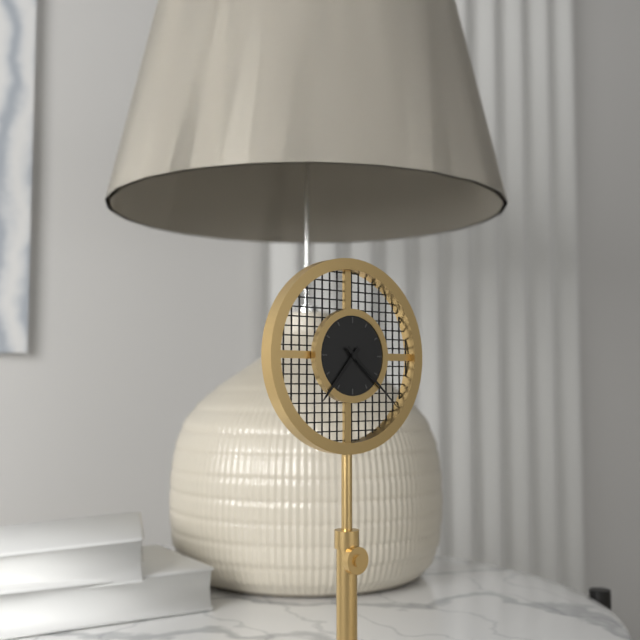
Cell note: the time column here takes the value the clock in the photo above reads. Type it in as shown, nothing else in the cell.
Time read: 7:22
